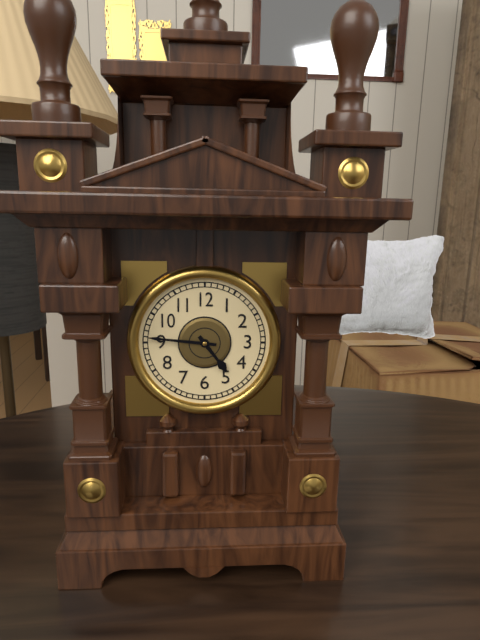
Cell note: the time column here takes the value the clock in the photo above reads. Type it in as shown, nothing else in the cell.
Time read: 4:46
